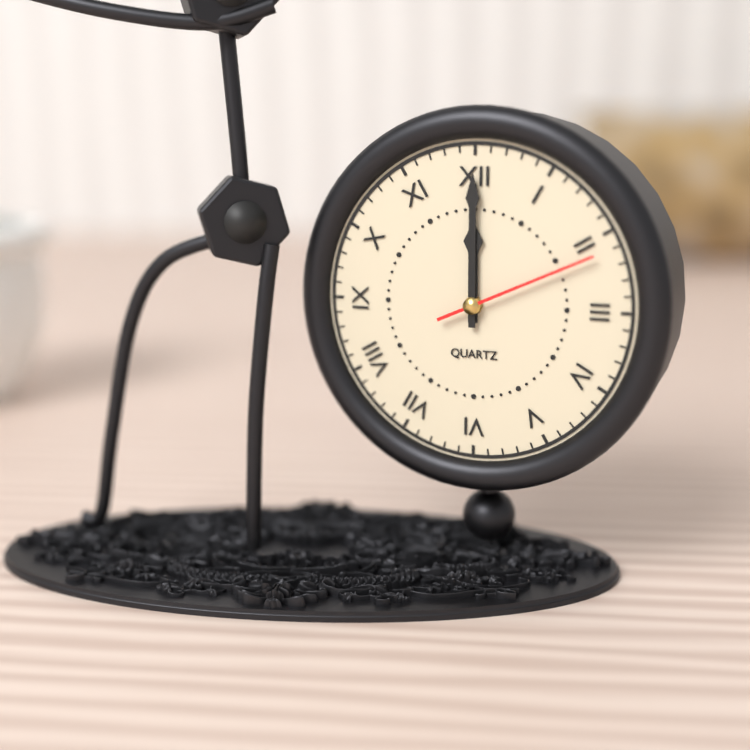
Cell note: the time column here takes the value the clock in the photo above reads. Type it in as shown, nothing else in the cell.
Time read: 12:00:11
